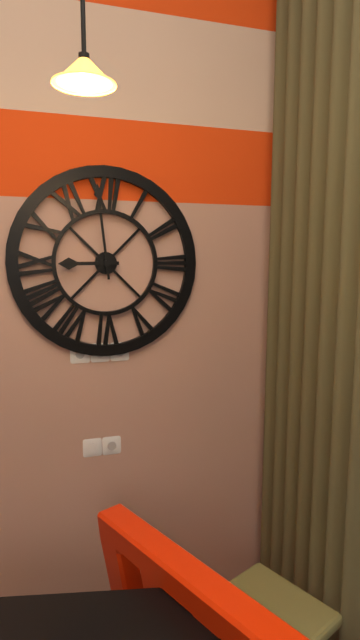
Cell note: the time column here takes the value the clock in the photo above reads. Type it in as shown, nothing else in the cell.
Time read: 8:59
